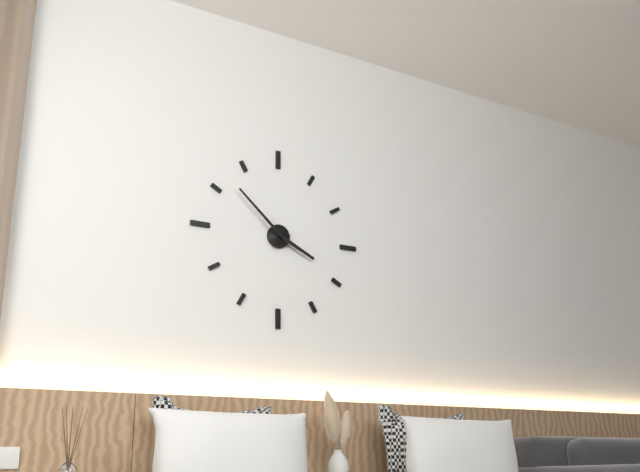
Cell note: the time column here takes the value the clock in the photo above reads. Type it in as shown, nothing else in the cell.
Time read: 3:52
